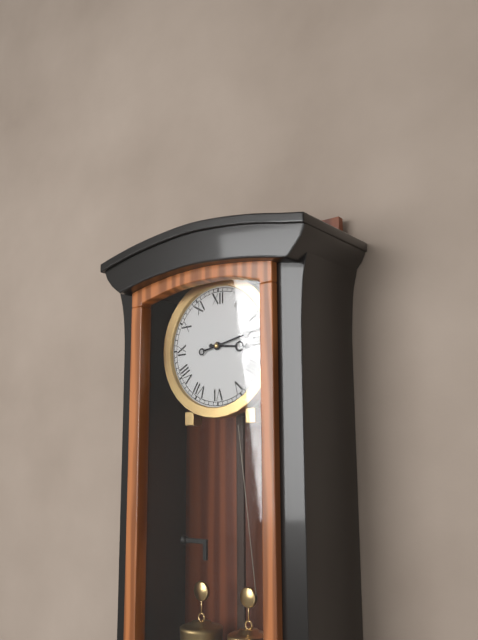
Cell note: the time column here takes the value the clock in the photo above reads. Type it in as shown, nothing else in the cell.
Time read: 3:13
